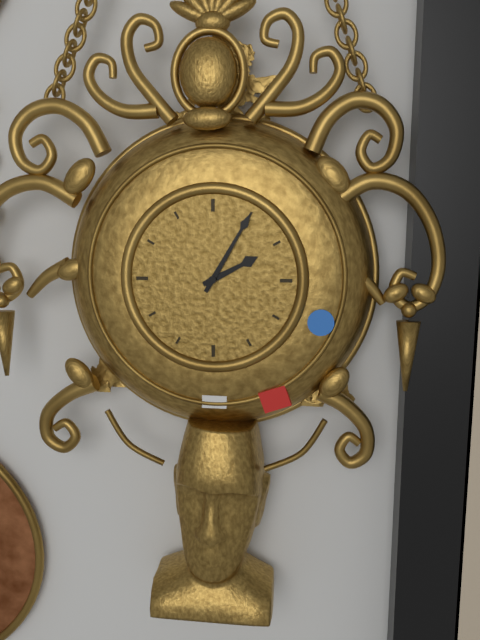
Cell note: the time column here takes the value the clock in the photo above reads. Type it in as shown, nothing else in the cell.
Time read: 2:05
